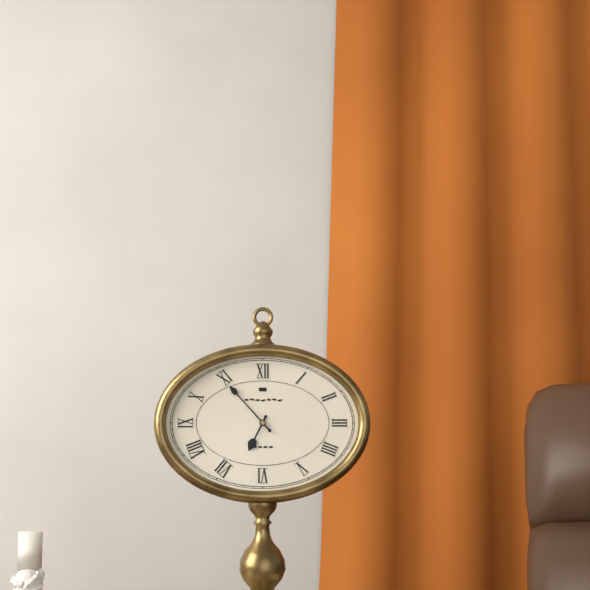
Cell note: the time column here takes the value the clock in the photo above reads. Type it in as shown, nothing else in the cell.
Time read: 6:53
